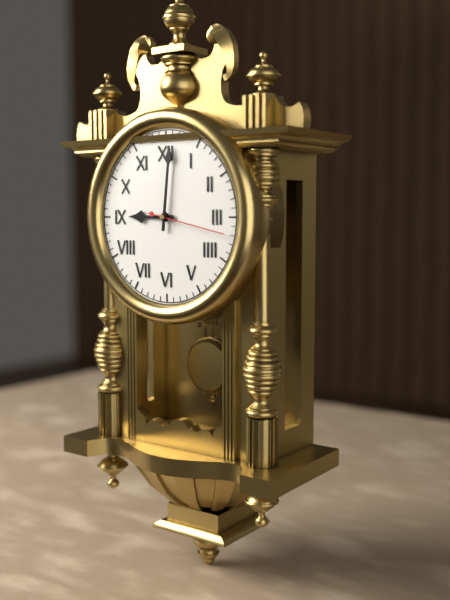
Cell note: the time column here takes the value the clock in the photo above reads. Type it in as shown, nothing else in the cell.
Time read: 9:01:17
